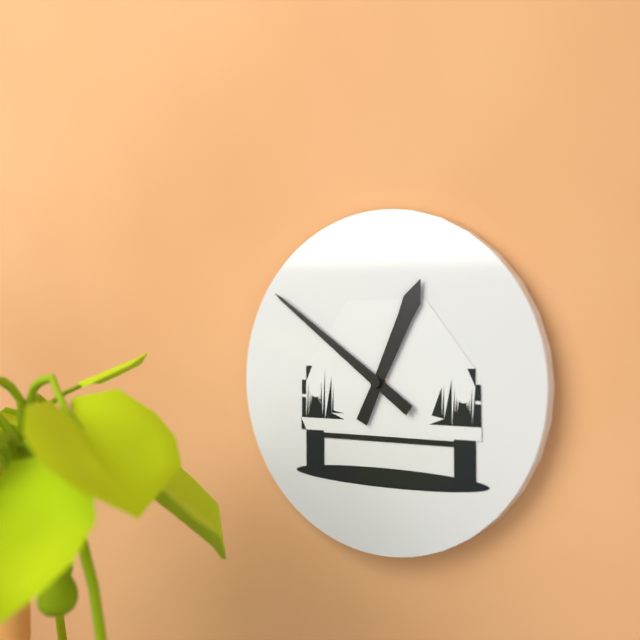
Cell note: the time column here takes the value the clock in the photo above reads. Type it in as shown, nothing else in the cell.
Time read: 12:51
